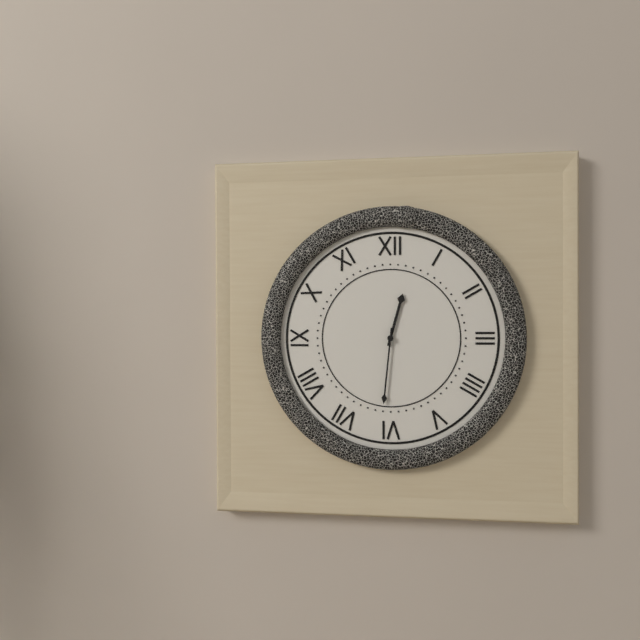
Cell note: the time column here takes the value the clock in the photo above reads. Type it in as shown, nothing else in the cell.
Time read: 12:31
